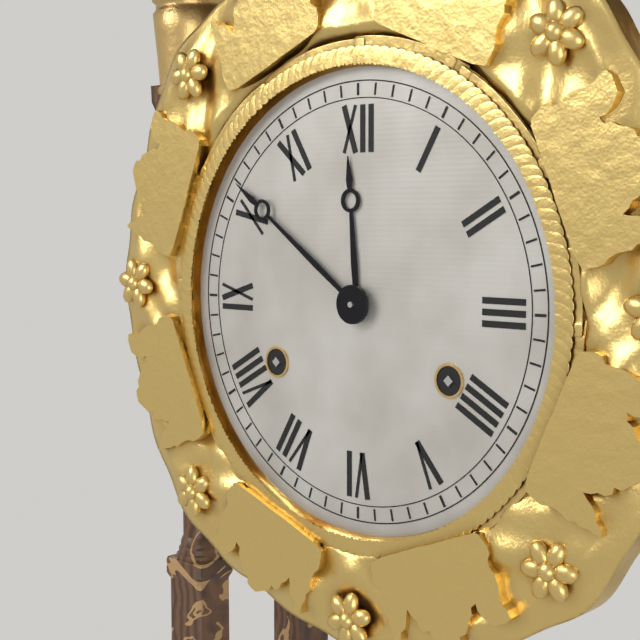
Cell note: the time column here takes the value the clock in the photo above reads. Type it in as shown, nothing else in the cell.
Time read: 11:51
